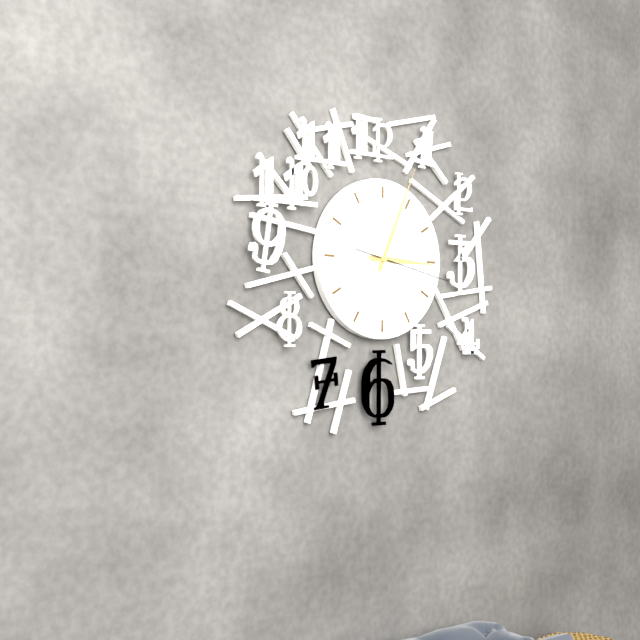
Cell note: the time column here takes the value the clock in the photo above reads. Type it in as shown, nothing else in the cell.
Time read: 3:04:17
